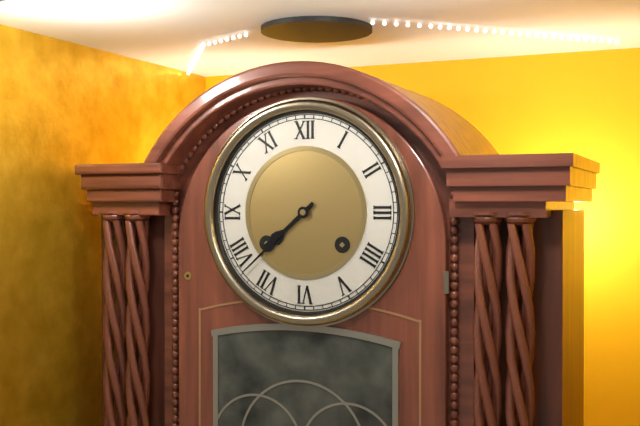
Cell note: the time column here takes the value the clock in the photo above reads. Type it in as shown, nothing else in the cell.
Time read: 7:38
